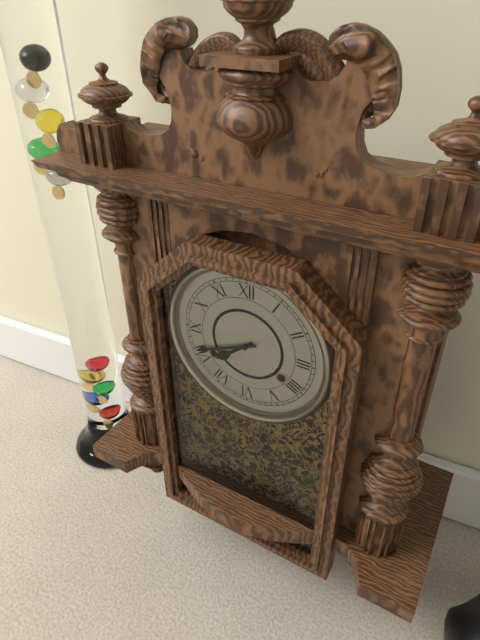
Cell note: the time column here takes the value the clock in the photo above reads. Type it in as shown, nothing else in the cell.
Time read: 7:41
